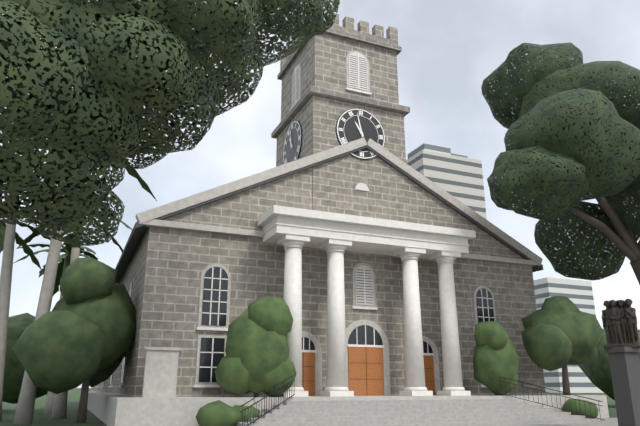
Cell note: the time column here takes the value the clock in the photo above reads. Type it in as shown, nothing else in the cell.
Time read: 10:58
